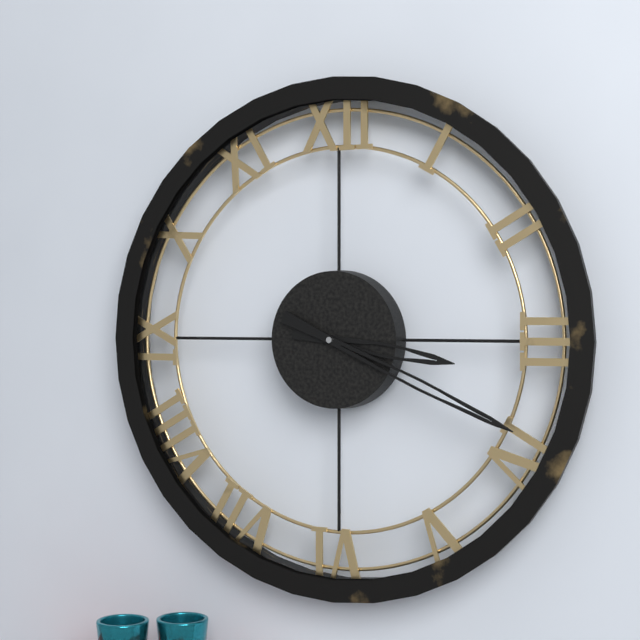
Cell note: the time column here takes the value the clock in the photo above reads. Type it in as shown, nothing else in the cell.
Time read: 3:19
